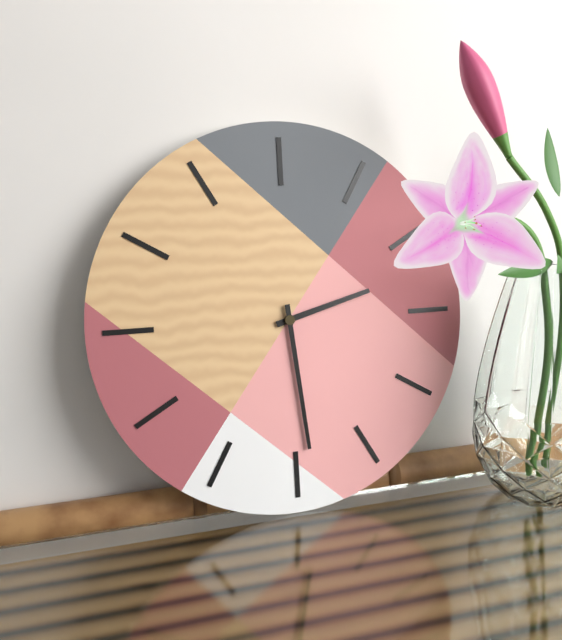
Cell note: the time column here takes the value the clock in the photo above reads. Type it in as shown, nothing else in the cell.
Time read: 2:29
